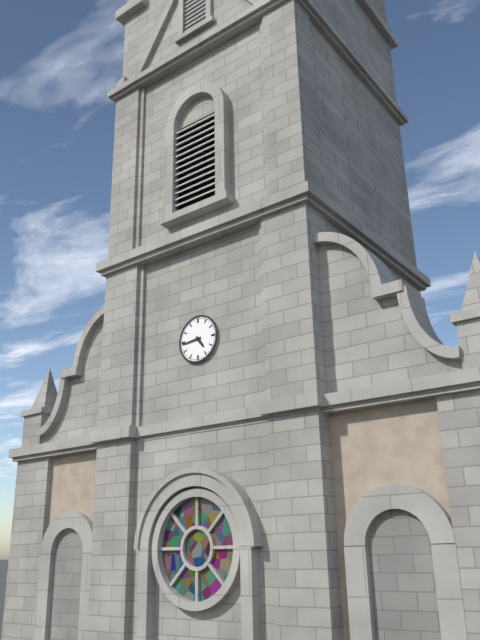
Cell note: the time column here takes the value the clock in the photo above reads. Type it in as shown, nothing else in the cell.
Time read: 4:44
